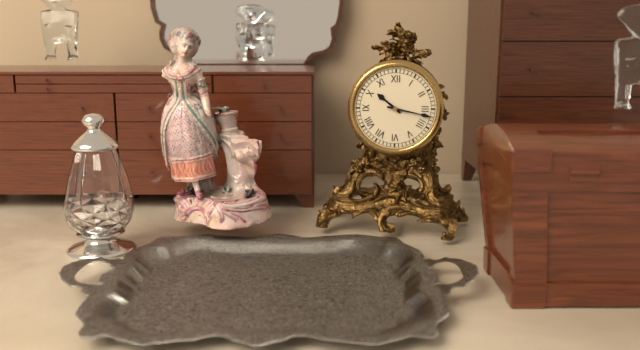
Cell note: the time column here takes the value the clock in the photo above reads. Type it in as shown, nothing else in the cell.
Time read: 10:17
